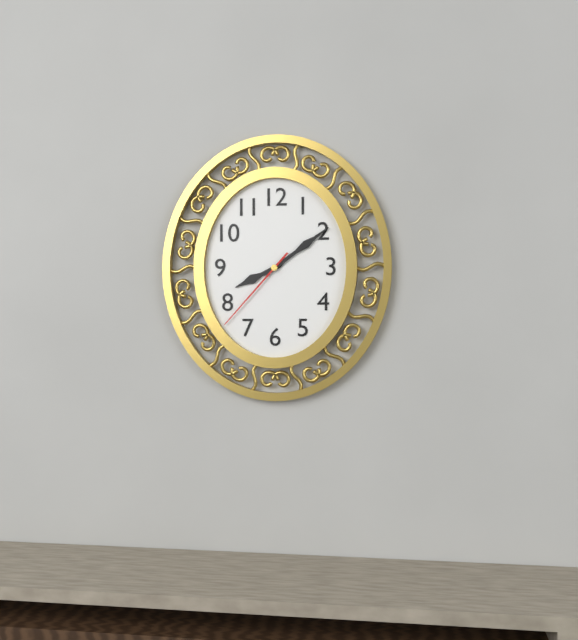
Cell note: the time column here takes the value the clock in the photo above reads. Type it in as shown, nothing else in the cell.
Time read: 8:09:37
